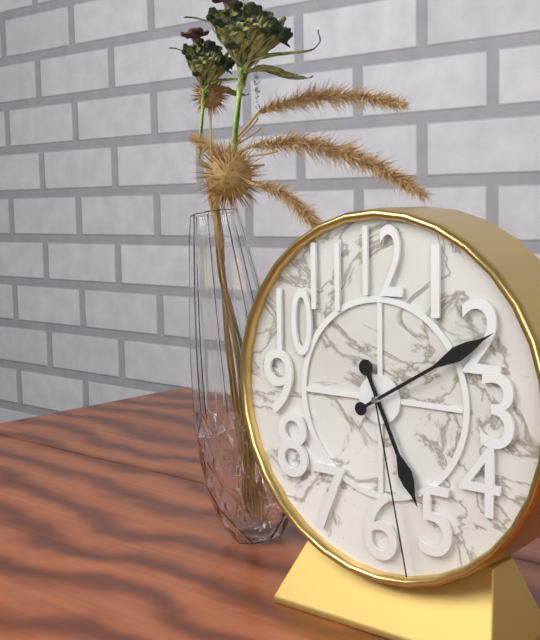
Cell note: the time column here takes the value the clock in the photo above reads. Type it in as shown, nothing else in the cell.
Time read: 5:10:28
